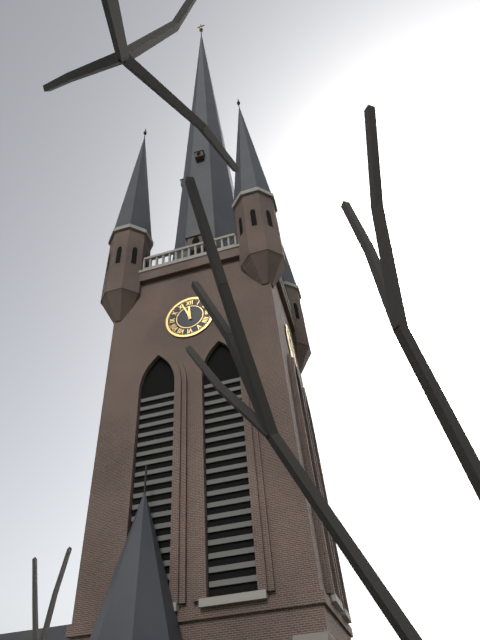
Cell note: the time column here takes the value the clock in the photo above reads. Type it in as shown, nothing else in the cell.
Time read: 11:56
